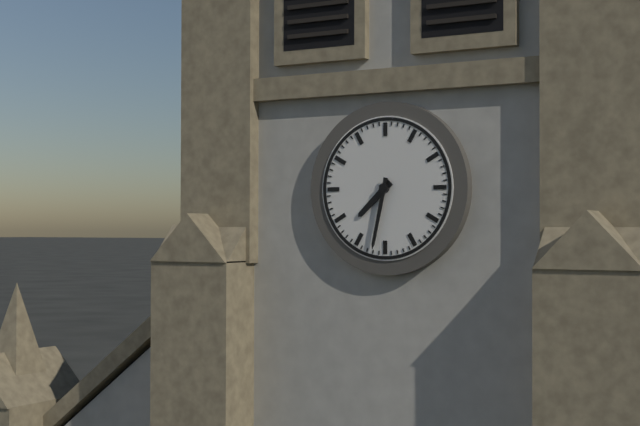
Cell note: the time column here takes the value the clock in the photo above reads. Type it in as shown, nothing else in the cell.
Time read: 7:32
